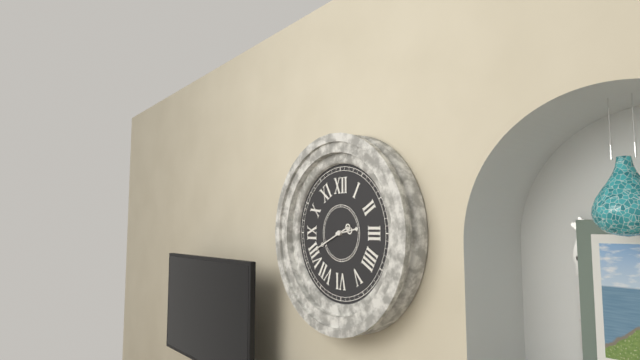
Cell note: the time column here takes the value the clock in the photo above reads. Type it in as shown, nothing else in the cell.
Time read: 2:41
